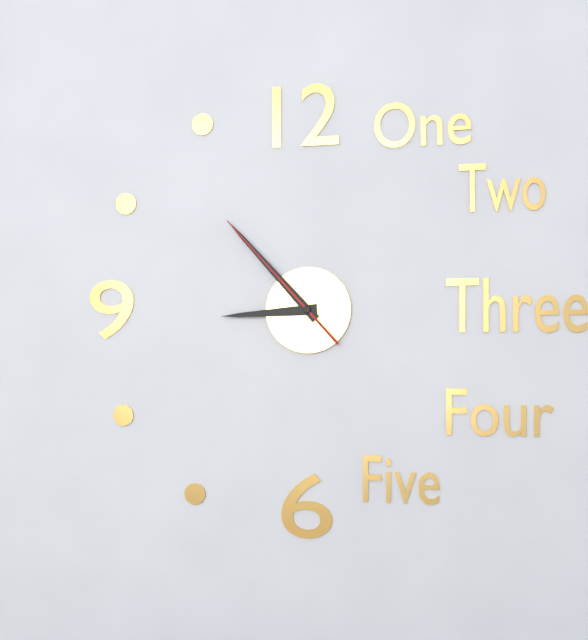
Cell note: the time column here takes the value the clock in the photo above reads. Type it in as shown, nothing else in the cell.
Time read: 8:53:53
